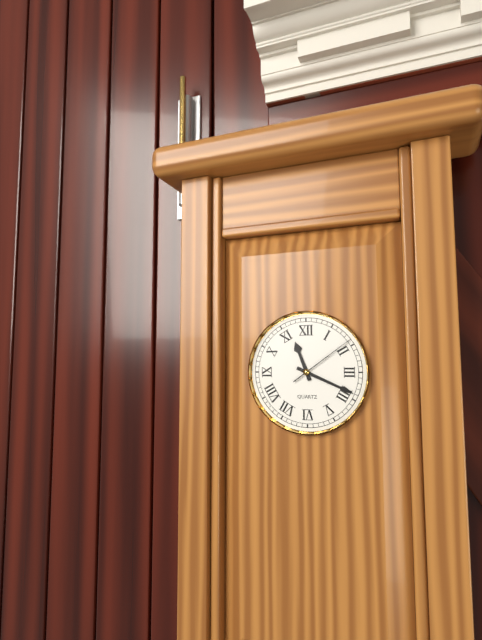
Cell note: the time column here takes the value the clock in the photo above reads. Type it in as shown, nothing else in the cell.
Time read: 11:19:09
